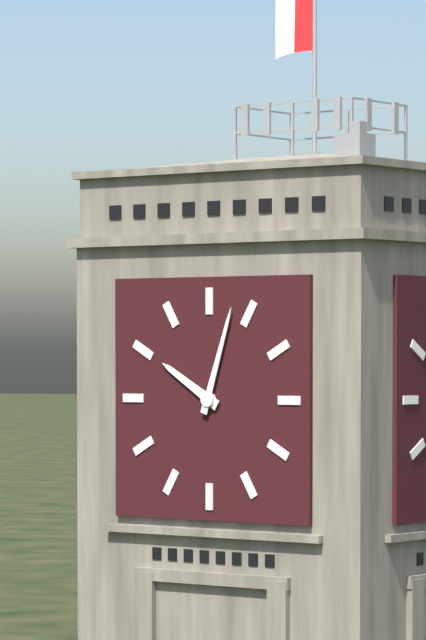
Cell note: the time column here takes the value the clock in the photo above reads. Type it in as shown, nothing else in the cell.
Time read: 10:03
